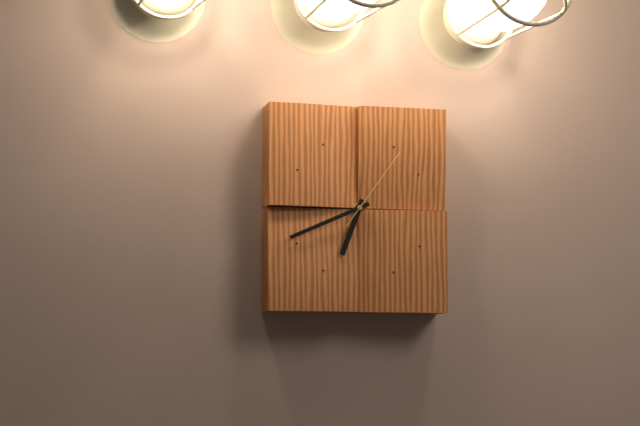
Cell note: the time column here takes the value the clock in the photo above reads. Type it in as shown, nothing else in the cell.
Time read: 6:41:06
